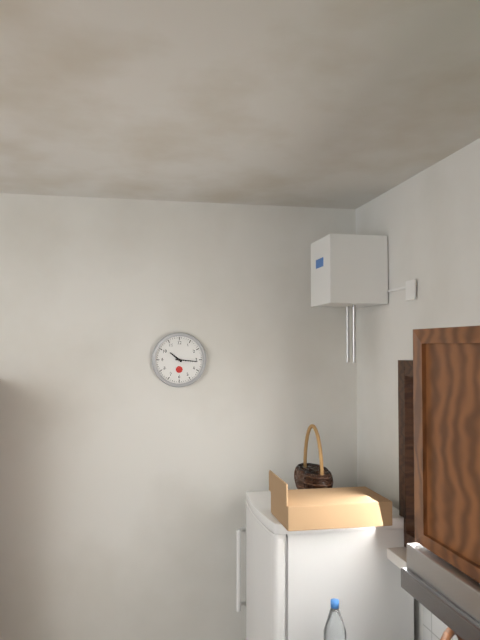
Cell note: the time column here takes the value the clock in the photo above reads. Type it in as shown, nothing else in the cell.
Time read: 10:16
